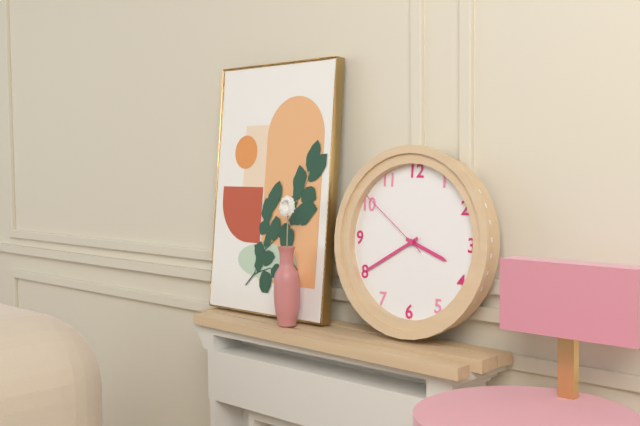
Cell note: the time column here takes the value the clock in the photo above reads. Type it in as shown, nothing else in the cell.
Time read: 3:40:51
